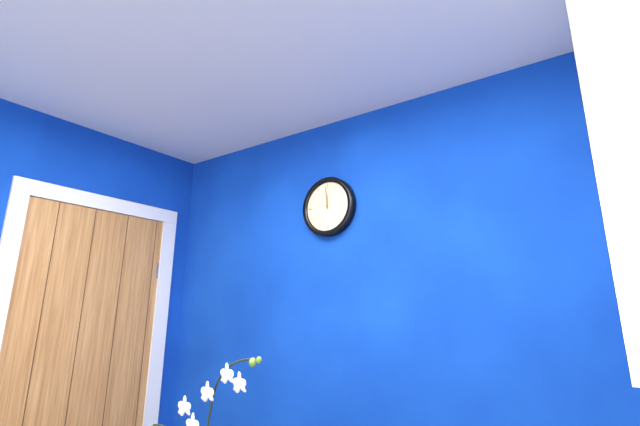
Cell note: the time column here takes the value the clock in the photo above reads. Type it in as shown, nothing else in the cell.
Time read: 11:59
